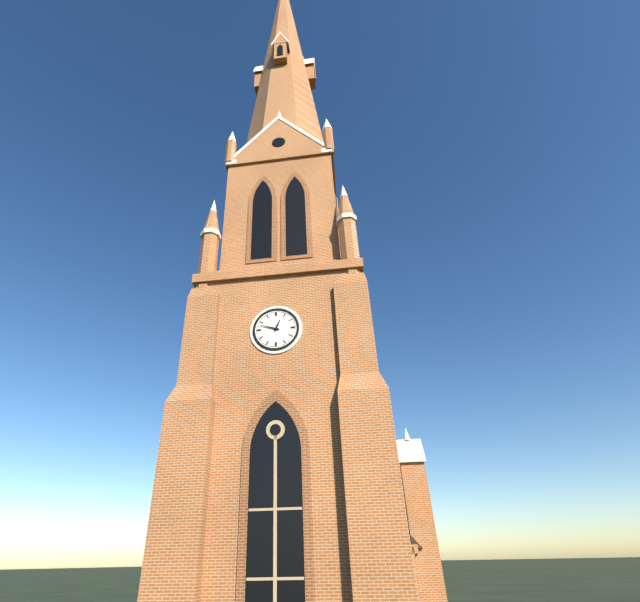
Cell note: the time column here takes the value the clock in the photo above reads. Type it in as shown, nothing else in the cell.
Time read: 12:48
